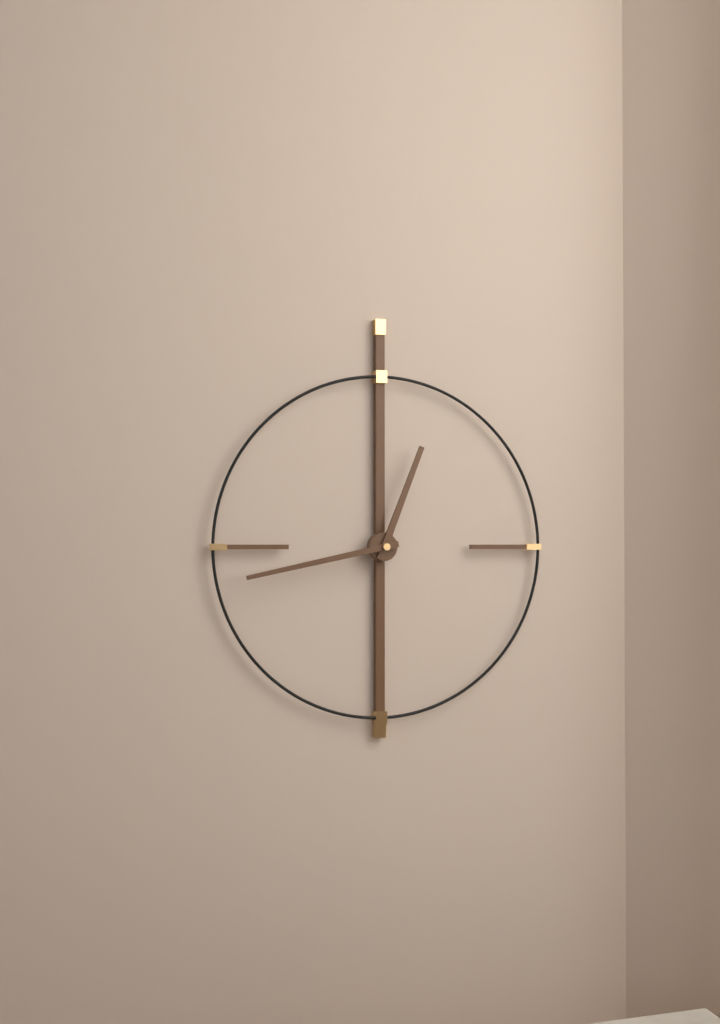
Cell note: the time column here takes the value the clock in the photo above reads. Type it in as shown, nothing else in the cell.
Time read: 12:43
